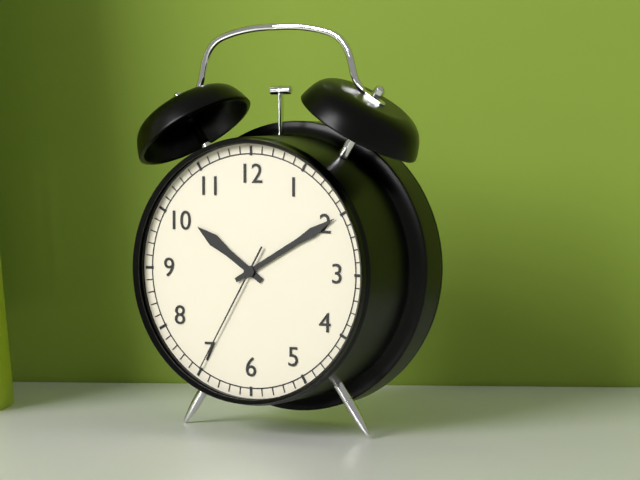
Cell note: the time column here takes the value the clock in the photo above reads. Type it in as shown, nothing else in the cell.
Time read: 10:10:35
